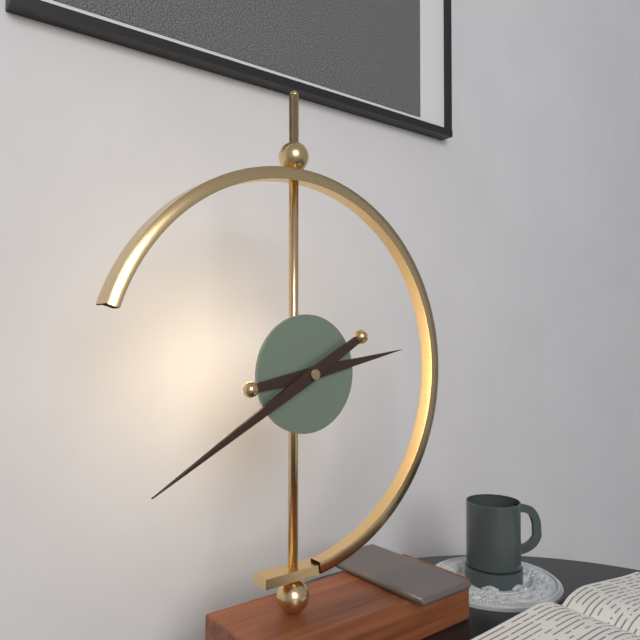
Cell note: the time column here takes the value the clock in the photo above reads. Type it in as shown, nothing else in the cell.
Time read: 2:40
